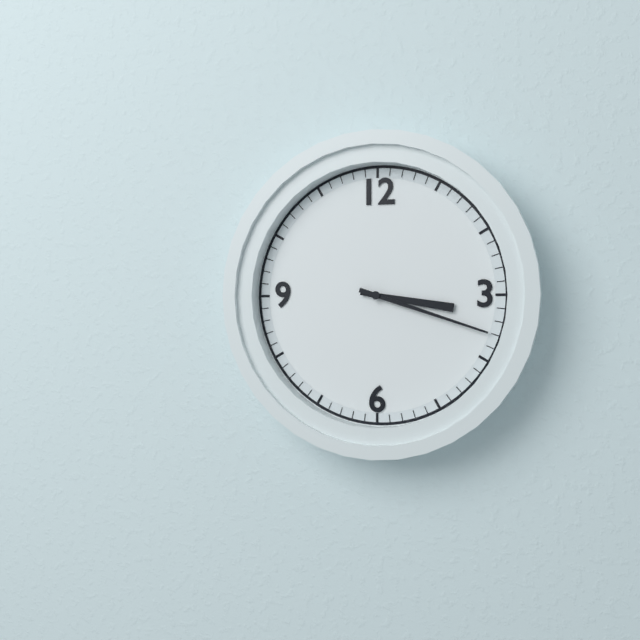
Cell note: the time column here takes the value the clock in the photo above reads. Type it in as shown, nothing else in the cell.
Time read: 3:18
